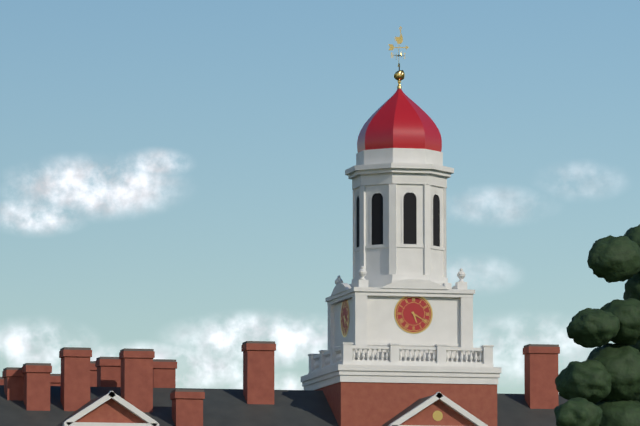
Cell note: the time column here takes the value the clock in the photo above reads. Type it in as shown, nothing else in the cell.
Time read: 5:20
